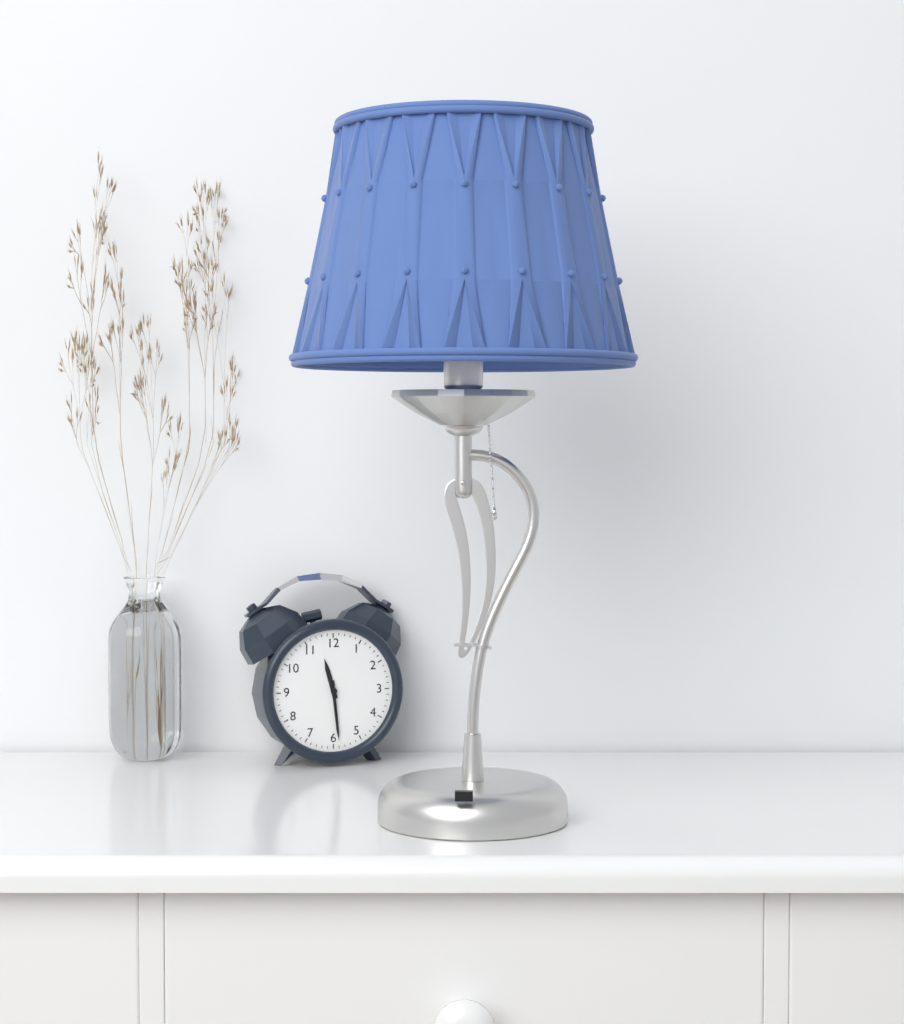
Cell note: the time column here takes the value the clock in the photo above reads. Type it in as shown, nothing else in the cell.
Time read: 11:29
